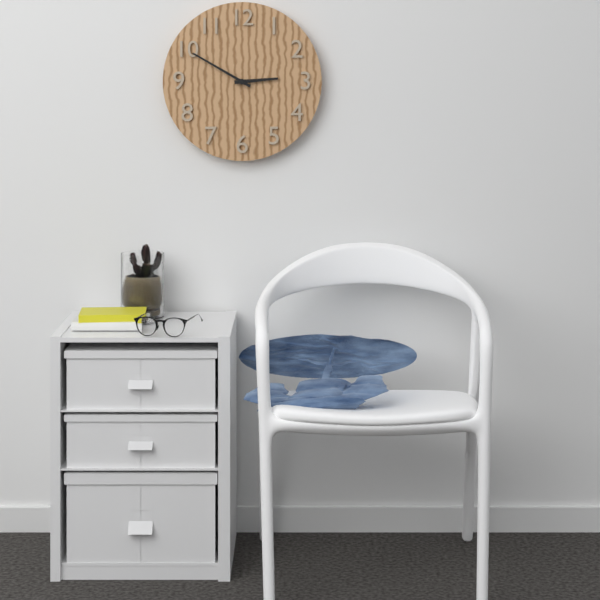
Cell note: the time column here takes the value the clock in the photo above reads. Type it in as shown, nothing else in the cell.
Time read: 2:50
